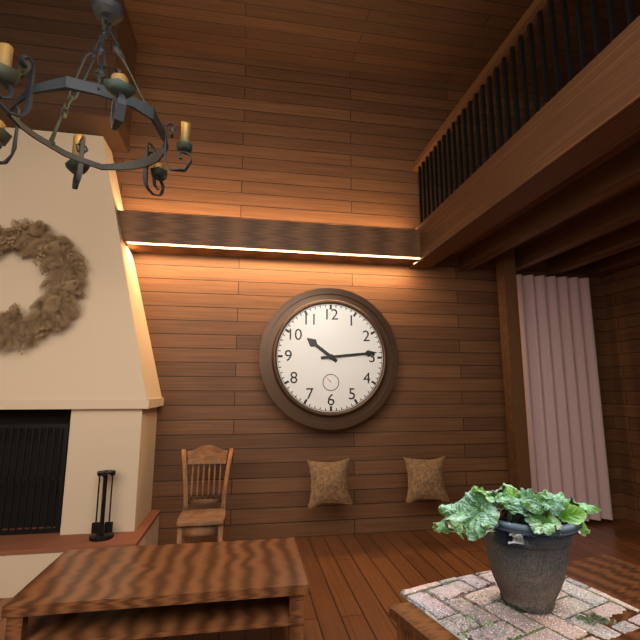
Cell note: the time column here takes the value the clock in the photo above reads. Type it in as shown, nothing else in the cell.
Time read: 10:14
